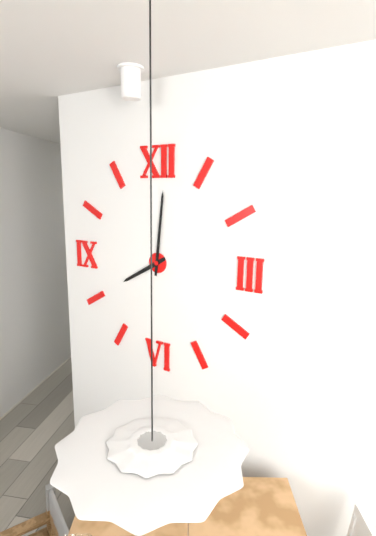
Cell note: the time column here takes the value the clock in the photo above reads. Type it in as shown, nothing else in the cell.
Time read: 8:01
